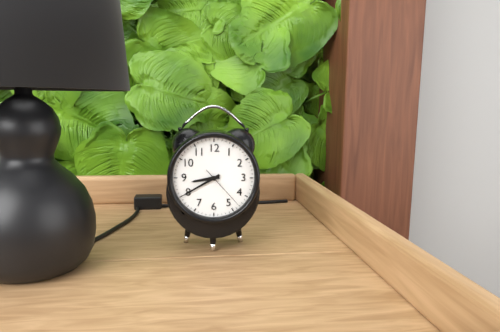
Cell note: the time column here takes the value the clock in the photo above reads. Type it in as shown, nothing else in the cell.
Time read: 8:40
